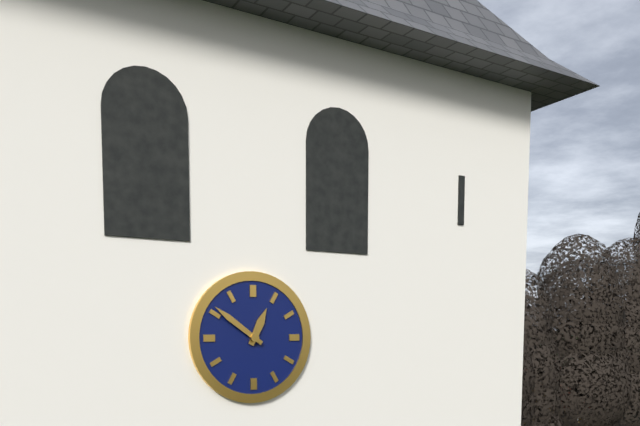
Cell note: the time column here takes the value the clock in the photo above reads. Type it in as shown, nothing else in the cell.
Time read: 12:51
